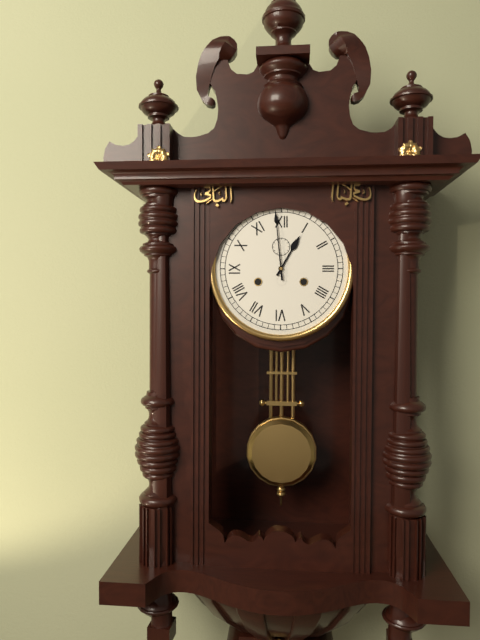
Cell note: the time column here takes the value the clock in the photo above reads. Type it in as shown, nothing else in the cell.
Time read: 12:59
